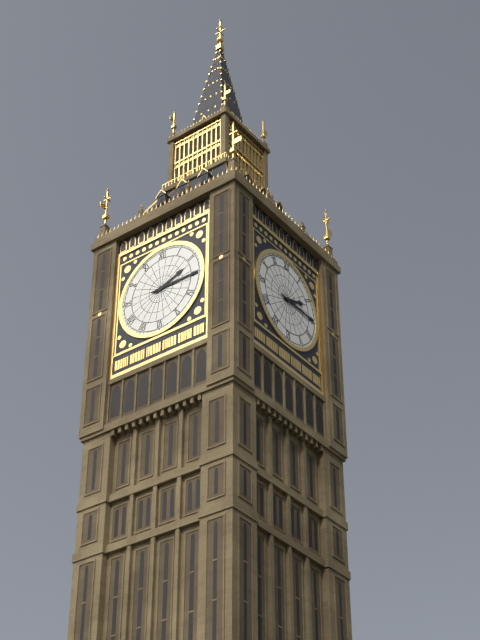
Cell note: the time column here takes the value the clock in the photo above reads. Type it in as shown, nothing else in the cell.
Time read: 2:15
